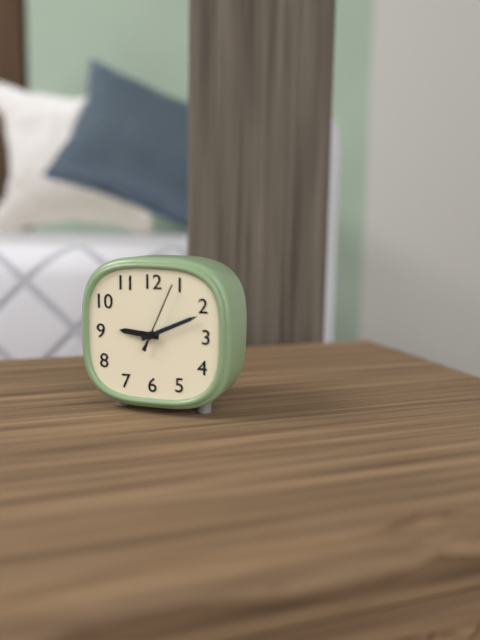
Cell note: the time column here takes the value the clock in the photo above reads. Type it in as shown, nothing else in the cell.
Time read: 9:11:04
